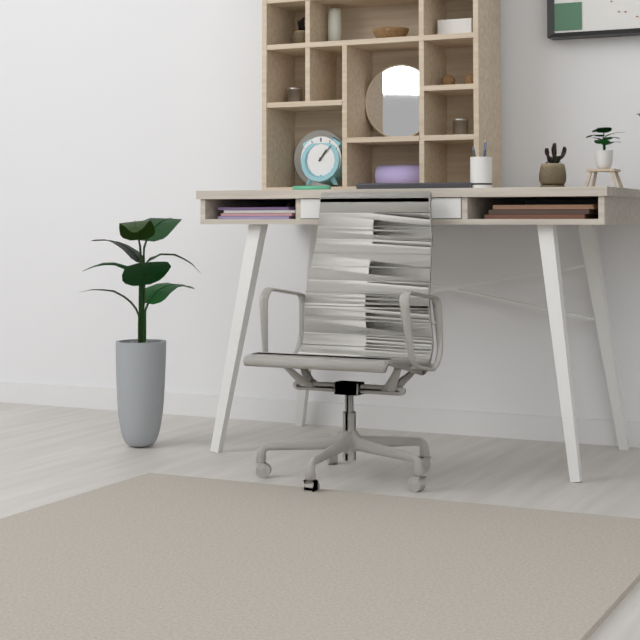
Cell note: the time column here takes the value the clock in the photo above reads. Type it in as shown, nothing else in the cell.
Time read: 1:07
